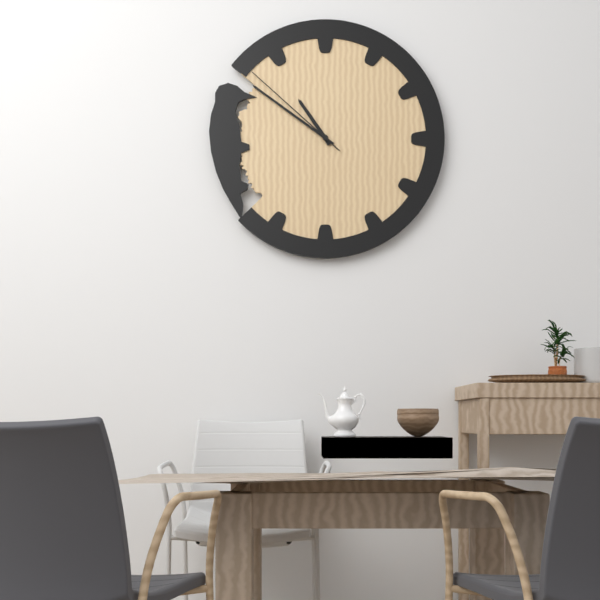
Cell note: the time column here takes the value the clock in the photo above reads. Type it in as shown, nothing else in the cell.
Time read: 10:51:52
